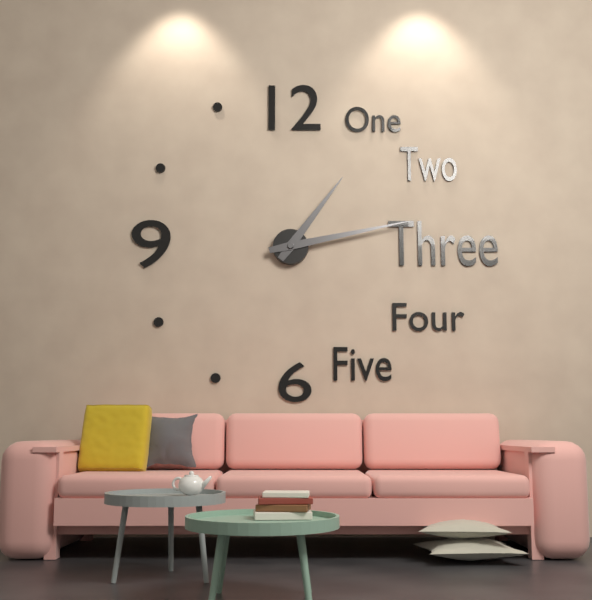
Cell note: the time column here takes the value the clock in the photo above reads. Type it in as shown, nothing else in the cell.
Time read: 1:13
